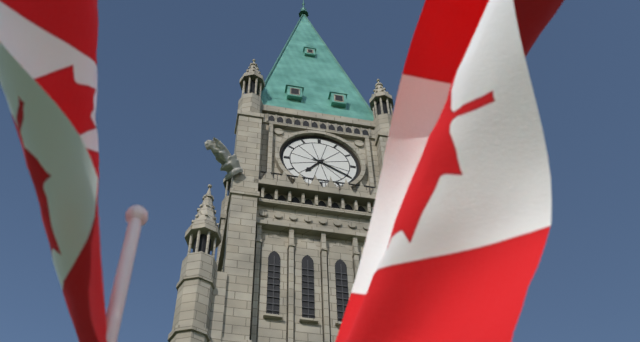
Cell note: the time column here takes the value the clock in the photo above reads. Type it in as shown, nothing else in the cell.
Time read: 7:20
